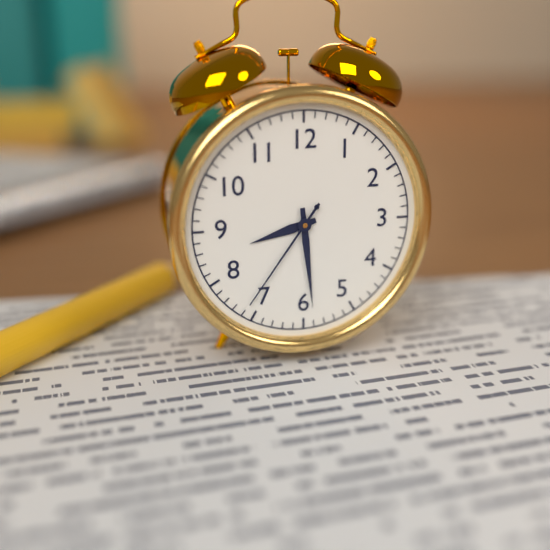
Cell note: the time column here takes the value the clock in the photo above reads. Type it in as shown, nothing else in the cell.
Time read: 8:29:36
